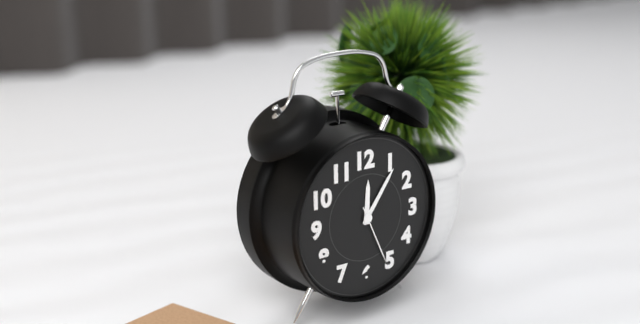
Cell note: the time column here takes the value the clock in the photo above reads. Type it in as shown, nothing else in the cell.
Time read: 12:06:26
